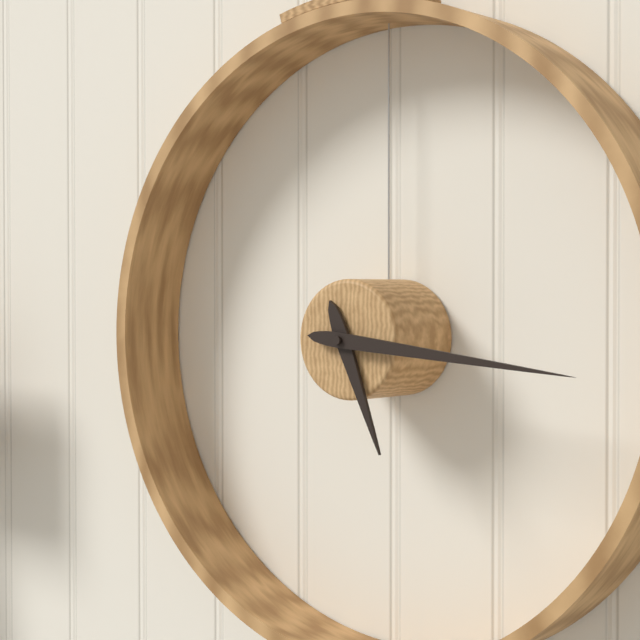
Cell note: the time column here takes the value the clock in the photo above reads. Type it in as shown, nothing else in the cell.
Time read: 5:16
